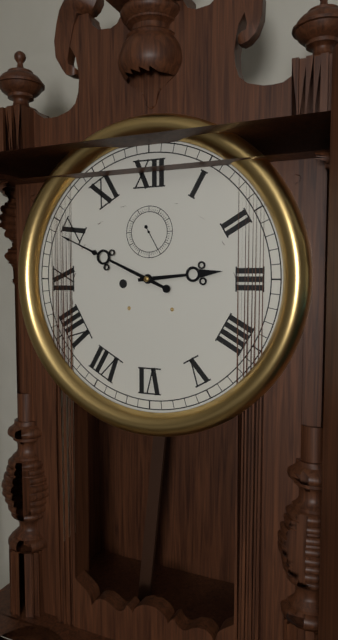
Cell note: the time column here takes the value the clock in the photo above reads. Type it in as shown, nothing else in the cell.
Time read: 2:49
